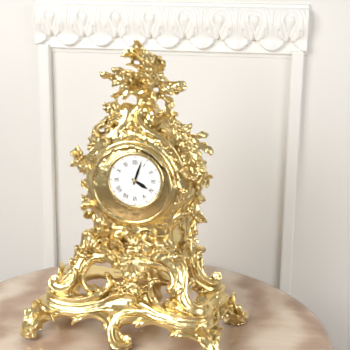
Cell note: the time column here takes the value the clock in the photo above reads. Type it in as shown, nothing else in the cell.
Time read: 4:03
